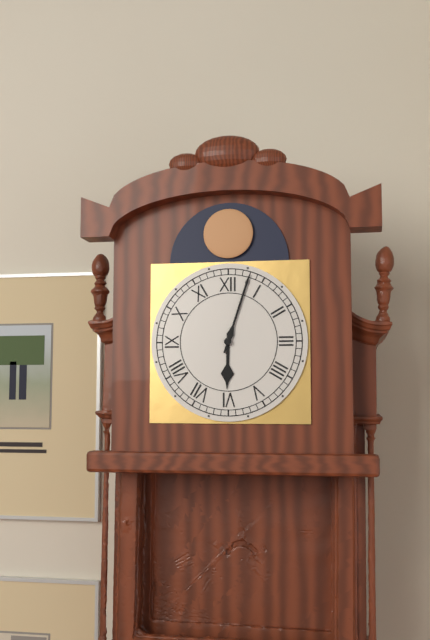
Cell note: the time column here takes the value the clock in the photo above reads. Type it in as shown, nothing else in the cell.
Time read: 6:03
